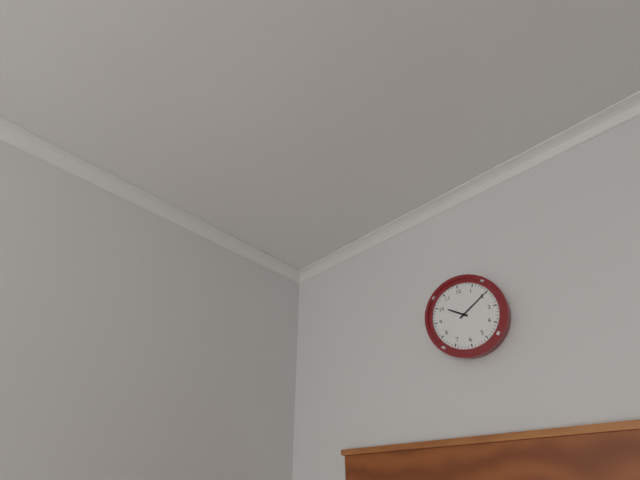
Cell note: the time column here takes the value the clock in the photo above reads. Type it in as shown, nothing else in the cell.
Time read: 10:10
